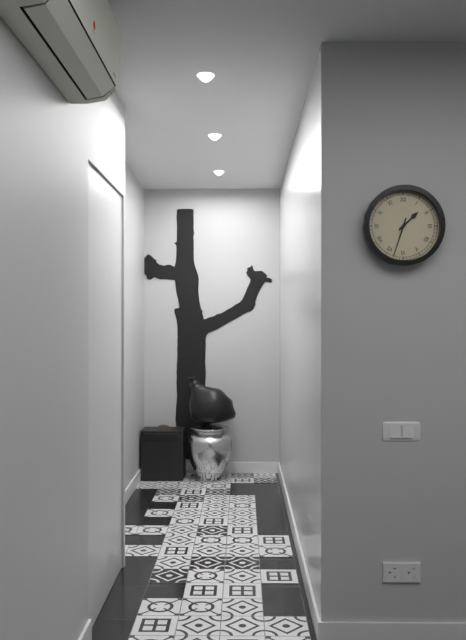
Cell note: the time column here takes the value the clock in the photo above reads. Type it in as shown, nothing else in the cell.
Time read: 1:33
